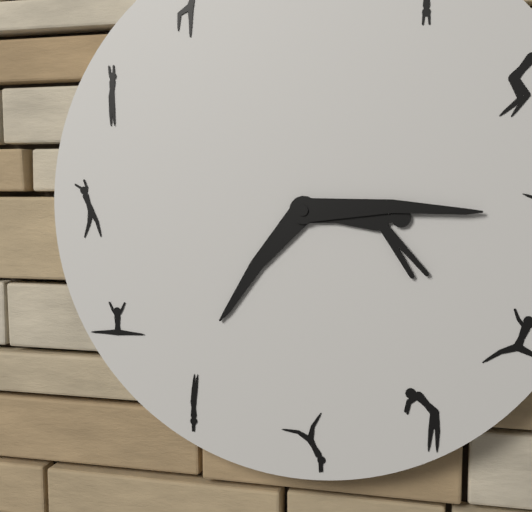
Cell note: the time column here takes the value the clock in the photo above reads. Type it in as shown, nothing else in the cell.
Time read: 7:15
